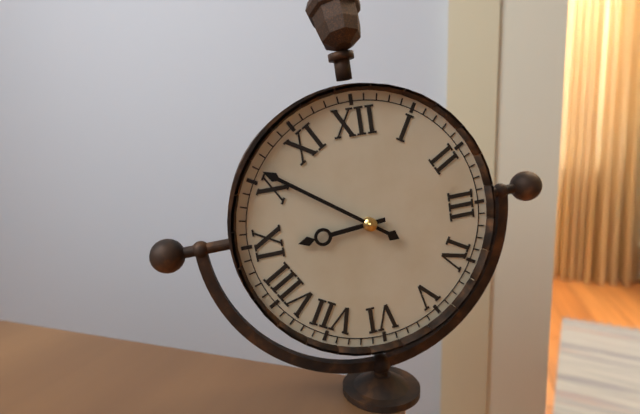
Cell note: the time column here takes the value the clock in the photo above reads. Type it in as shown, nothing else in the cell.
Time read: 8:51
